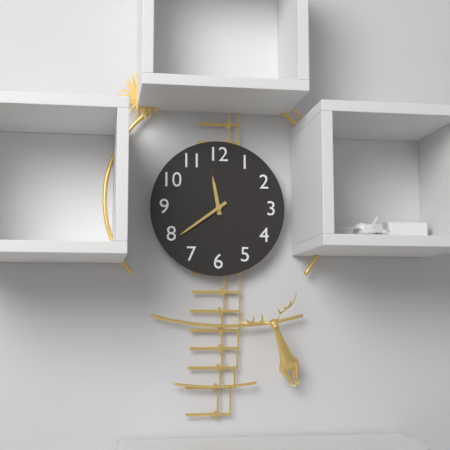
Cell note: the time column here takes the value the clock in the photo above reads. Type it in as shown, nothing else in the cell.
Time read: 11:39
